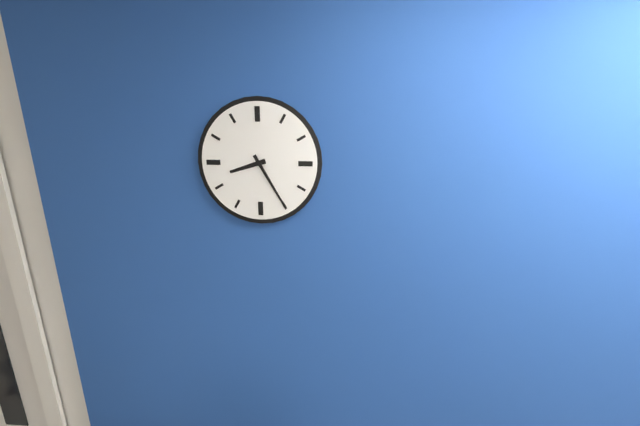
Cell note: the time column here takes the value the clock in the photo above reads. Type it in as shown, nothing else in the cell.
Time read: 8:25
